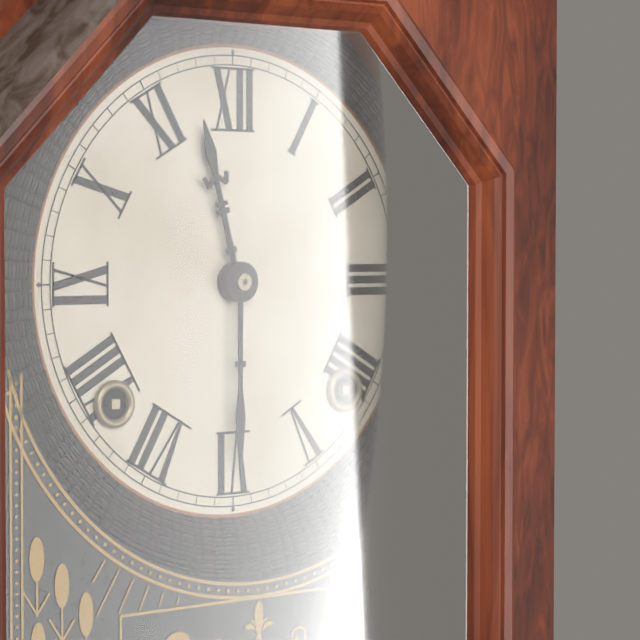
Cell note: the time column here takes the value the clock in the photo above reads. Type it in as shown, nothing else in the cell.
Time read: 11:30
